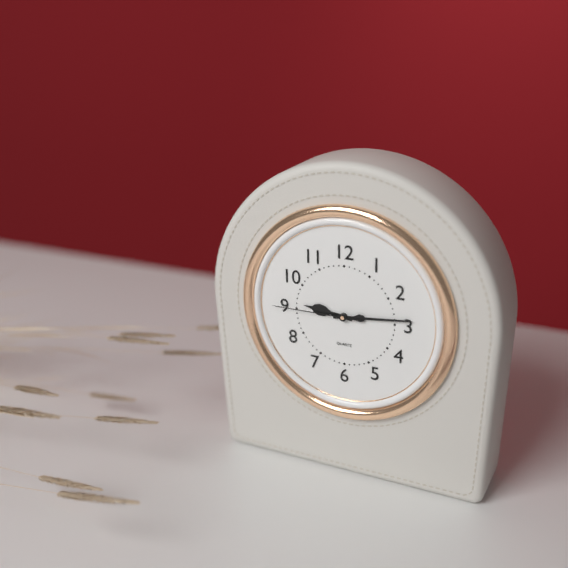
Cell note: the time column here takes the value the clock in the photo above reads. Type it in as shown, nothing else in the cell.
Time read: 9:14:45
